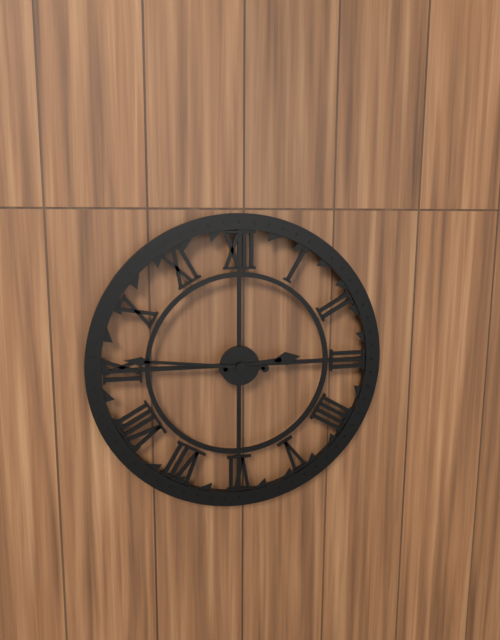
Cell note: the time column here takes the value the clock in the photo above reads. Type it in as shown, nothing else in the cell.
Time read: 2:46
